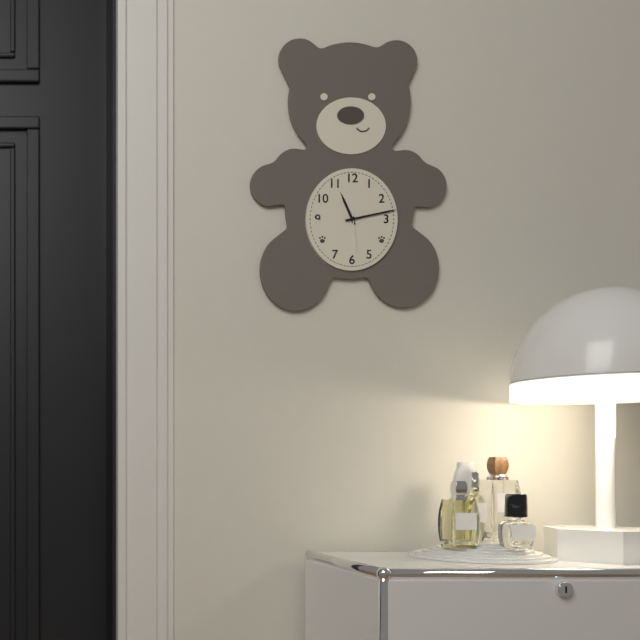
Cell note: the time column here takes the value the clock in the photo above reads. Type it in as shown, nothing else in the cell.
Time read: 11:13
